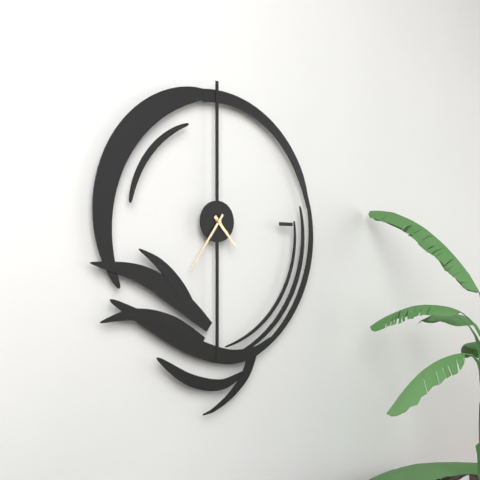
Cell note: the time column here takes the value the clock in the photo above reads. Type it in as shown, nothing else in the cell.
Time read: 4:36
